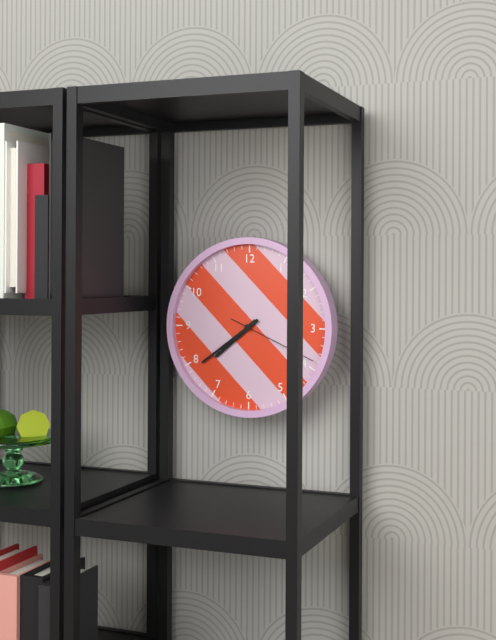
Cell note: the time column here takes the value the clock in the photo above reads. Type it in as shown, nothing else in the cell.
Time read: 7:39:19
